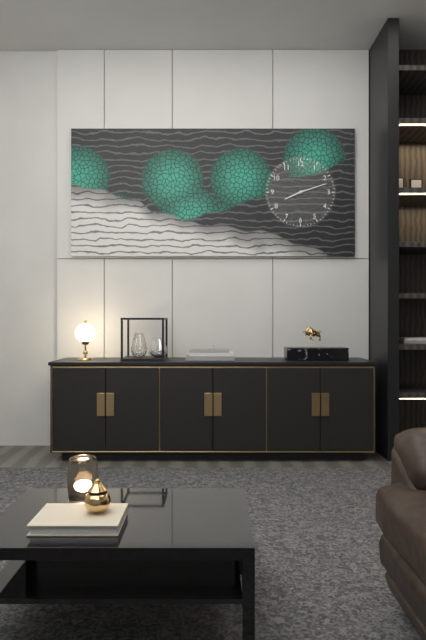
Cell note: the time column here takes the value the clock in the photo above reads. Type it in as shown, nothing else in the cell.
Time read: 8:12
